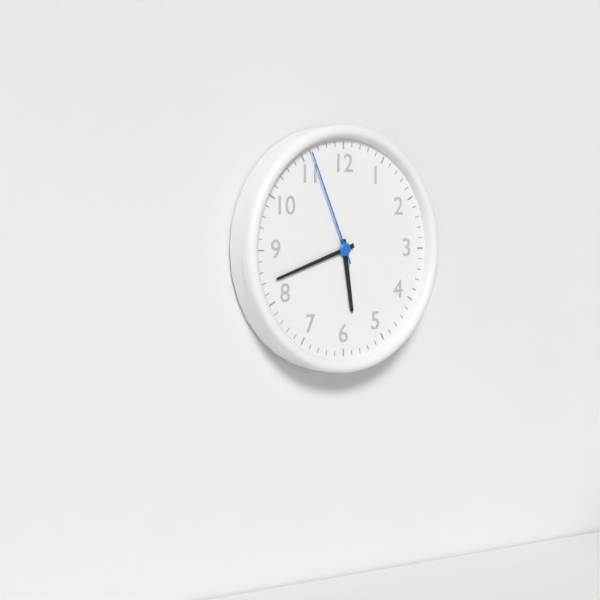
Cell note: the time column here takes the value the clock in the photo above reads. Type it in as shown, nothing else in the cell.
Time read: 5:42:56
